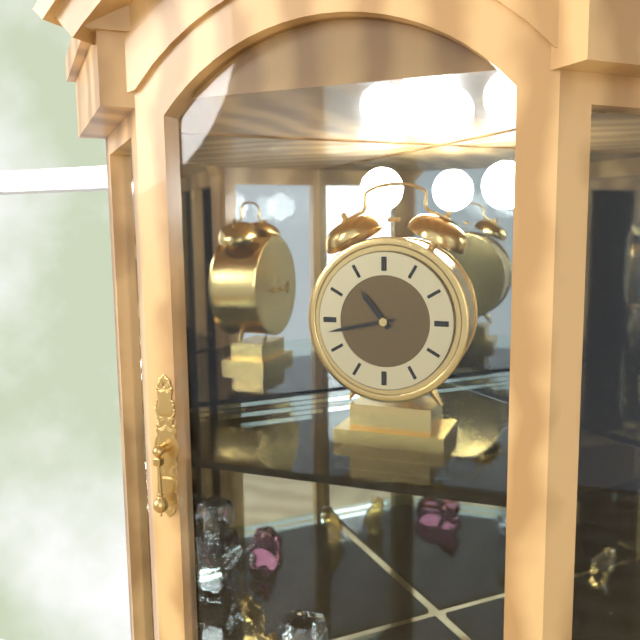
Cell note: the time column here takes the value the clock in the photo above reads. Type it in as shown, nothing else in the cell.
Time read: 10:43
